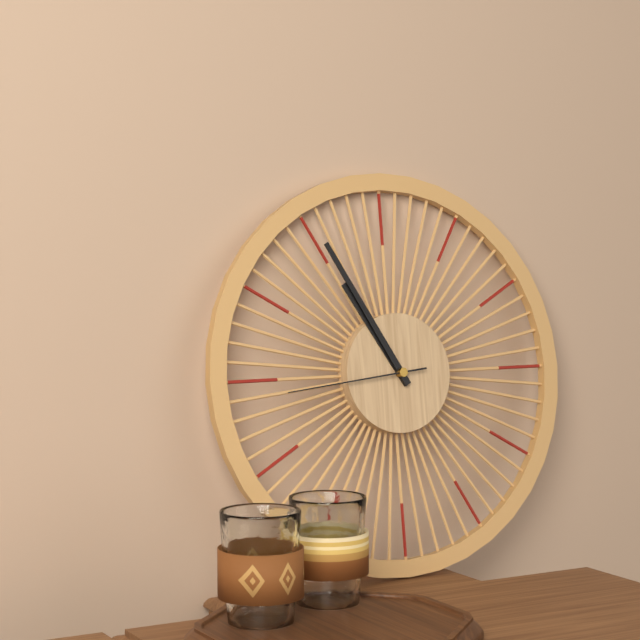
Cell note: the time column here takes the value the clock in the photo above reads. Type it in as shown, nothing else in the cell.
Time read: 10:55:44
